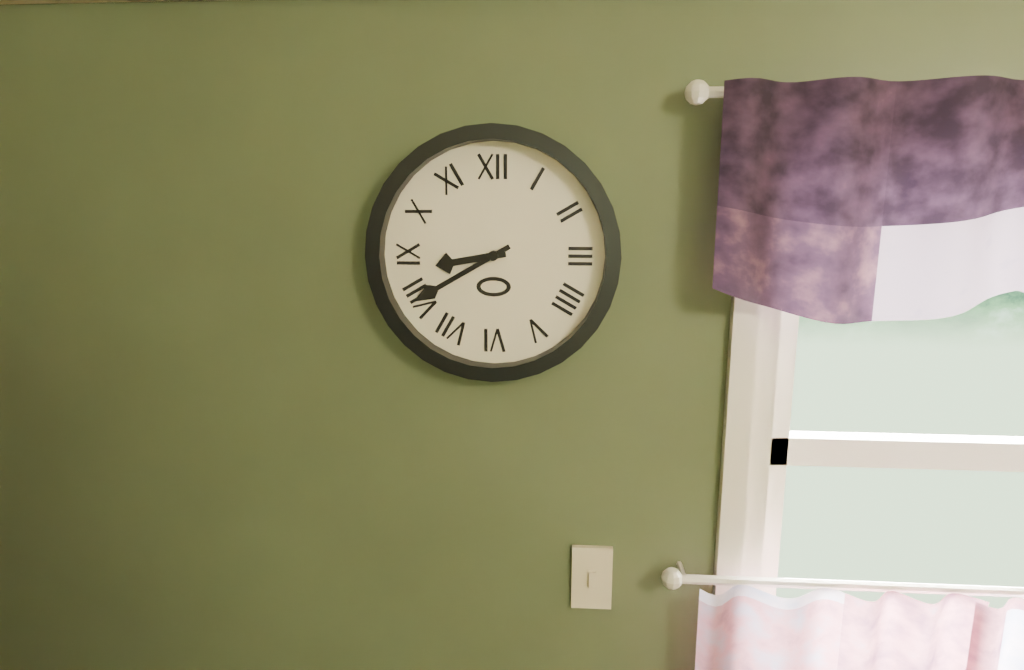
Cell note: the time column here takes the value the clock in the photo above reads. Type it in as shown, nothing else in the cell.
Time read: 8:40
